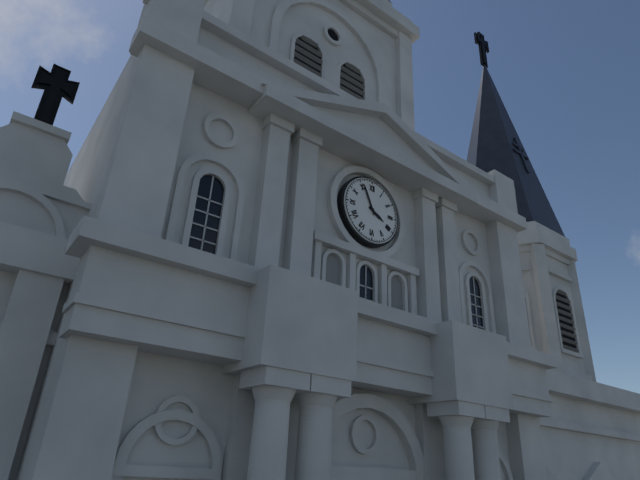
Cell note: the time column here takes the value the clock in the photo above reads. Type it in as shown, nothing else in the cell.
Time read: 3:56
